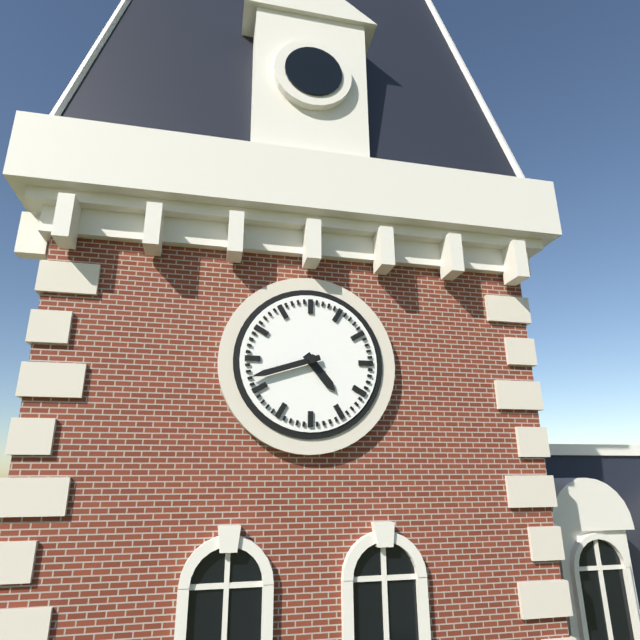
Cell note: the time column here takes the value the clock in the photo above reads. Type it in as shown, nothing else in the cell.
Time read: 4:42
